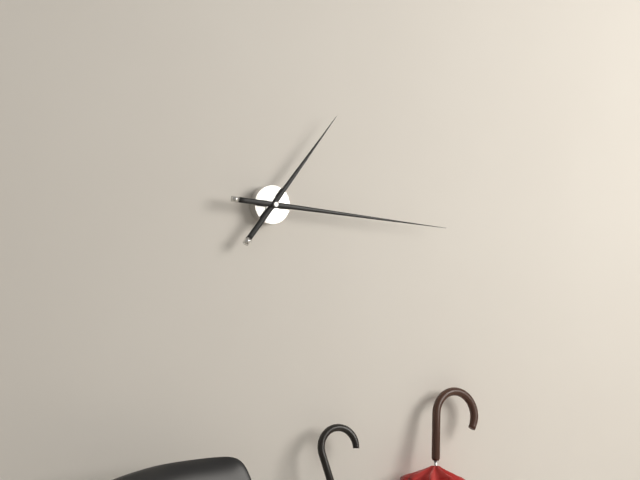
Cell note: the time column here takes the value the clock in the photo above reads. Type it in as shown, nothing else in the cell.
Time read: 1:16
